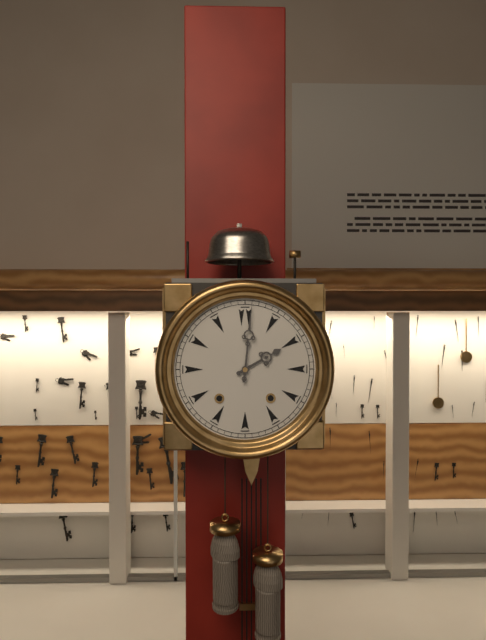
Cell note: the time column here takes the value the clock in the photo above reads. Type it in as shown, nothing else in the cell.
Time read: 2:01
